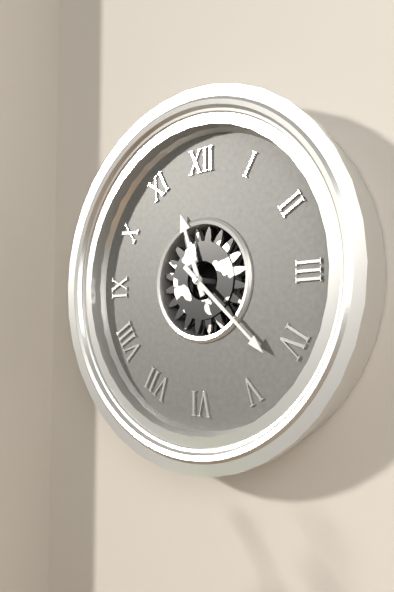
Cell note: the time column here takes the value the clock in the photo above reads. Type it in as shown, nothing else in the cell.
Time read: 11:22
